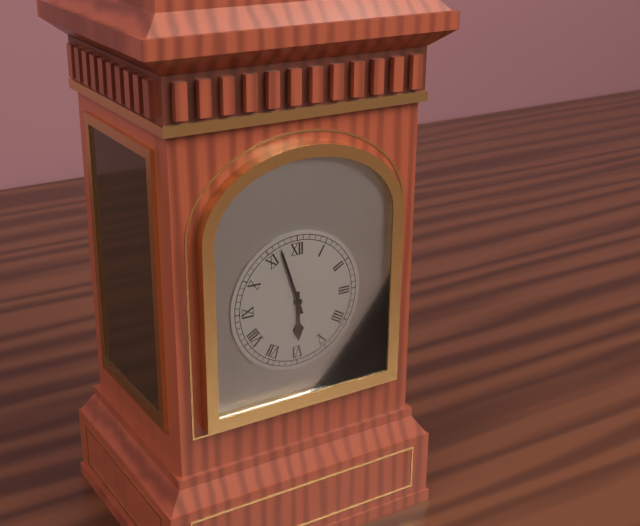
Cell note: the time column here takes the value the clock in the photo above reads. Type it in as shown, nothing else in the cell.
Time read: 5:57
